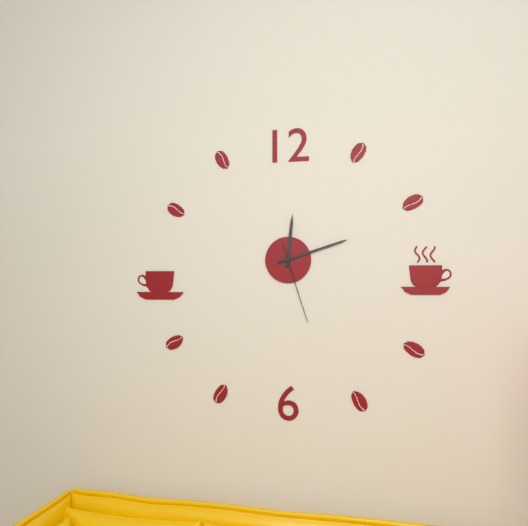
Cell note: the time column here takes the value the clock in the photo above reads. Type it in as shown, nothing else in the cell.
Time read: 12:12:27
